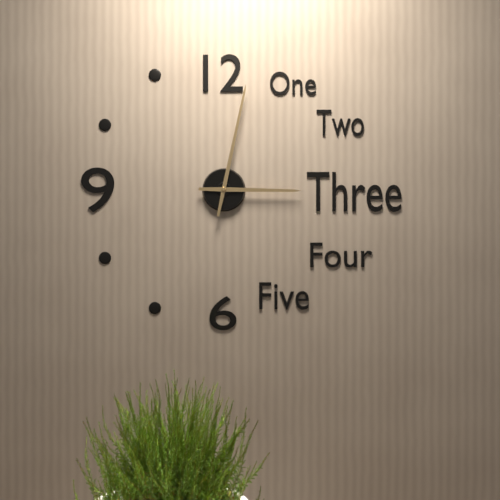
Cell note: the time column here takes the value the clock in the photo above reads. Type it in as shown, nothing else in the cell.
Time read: 3:02
